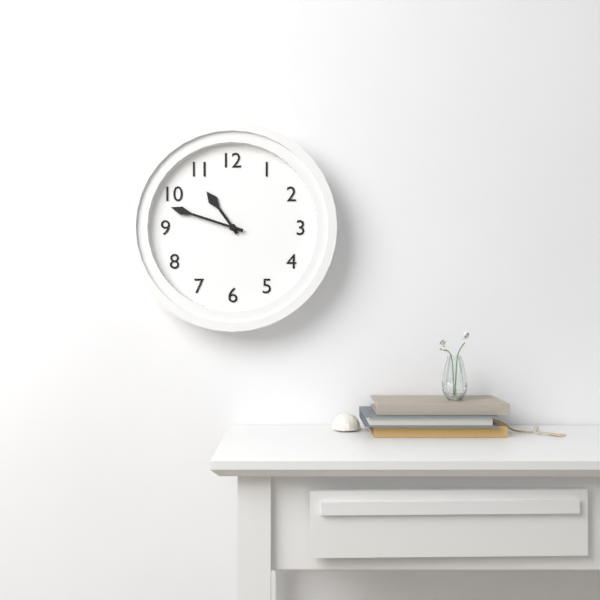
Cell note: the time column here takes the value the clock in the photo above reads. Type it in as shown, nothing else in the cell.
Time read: 10:48
